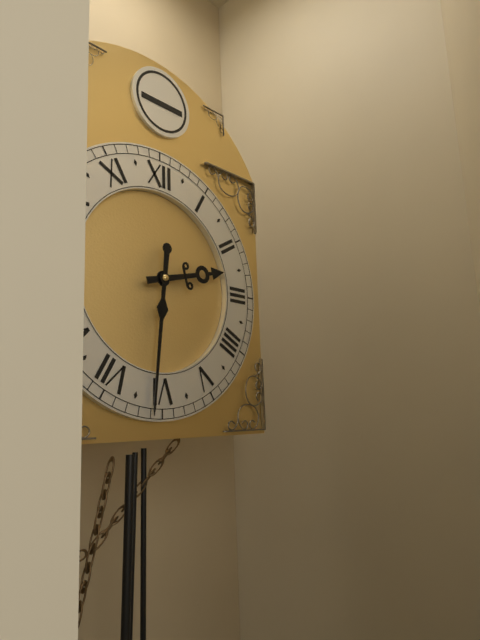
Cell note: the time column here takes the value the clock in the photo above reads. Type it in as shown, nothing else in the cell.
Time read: 2:31
